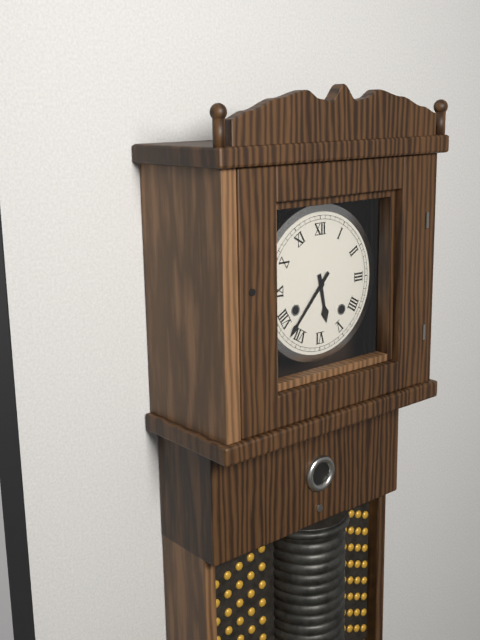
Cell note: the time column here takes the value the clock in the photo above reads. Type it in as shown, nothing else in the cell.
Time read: 5:37
